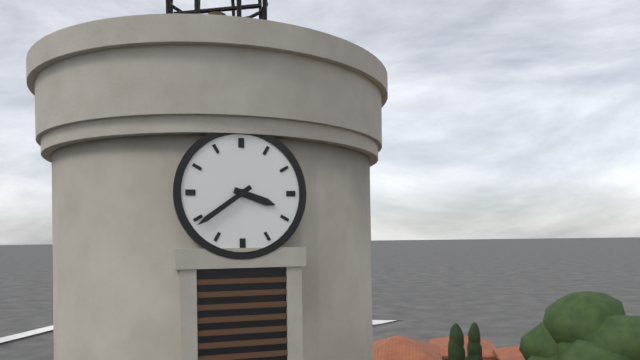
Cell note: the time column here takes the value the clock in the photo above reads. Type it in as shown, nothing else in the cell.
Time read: 3:39
